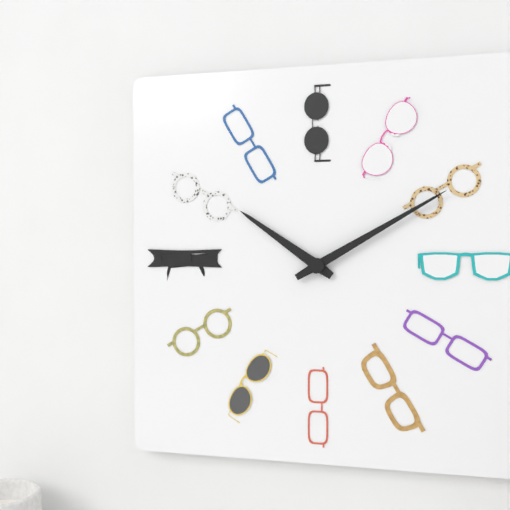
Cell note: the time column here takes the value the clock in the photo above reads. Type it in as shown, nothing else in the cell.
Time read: 10:10
